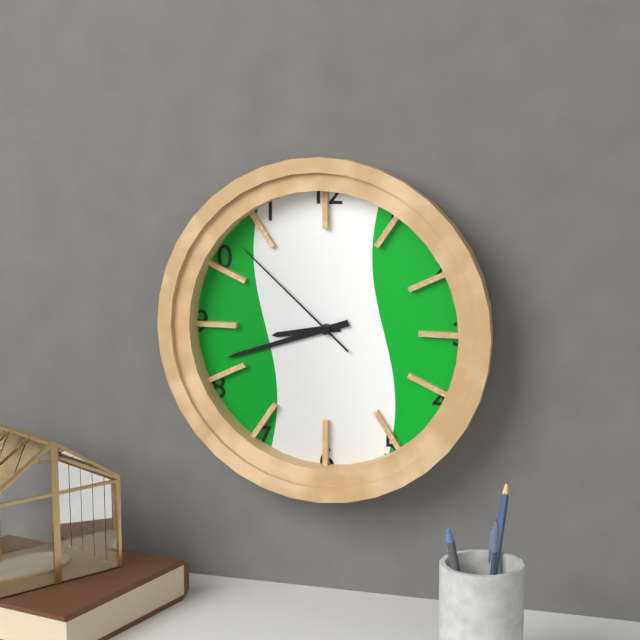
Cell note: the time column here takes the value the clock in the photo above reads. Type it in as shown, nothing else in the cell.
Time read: 8:42:52
